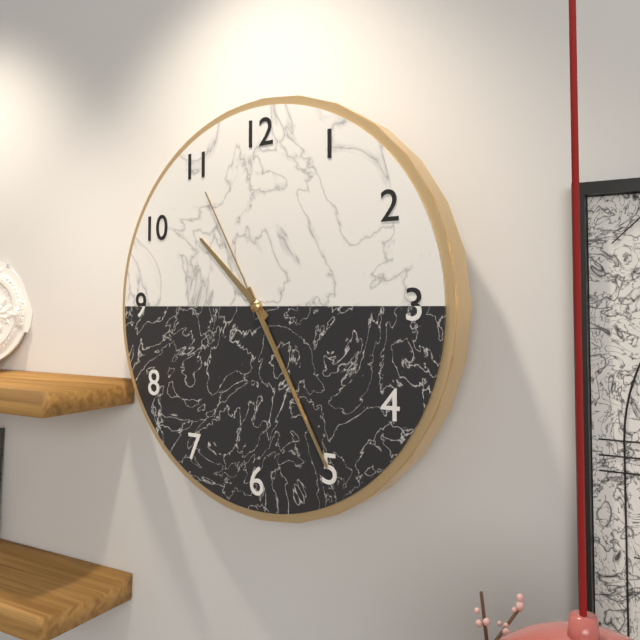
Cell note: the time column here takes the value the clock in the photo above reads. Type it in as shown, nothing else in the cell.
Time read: 10:25:55
